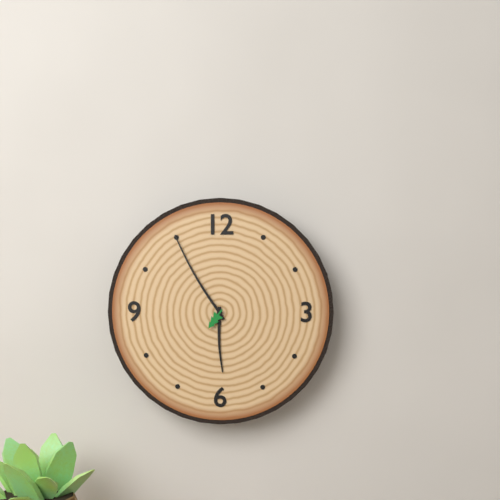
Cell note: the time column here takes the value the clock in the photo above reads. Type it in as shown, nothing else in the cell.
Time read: 5:55
